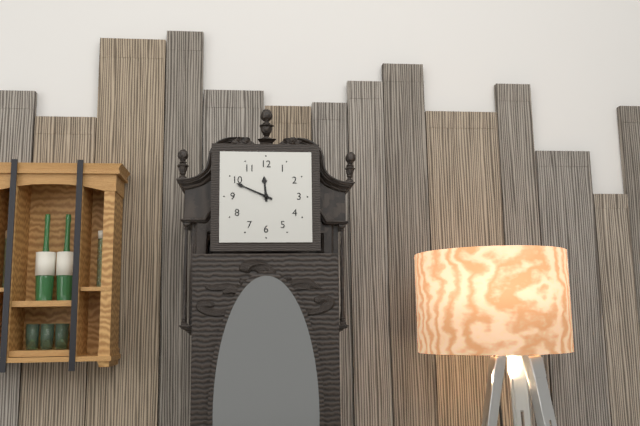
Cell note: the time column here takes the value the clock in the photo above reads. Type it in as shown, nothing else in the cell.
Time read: 11:49
